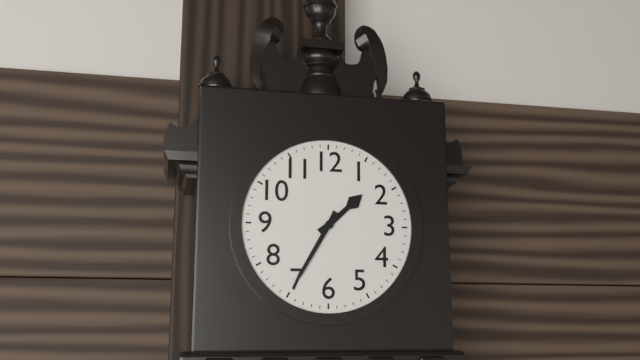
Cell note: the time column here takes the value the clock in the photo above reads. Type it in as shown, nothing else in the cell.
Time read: 1:35
